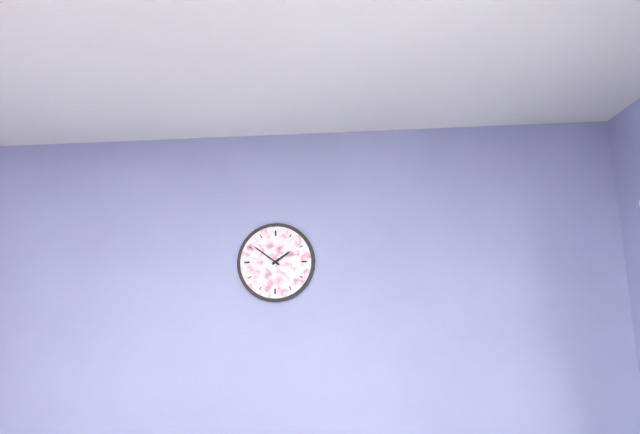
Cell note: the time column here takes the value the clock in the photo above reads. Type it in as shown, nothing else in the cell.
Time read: 1:51
